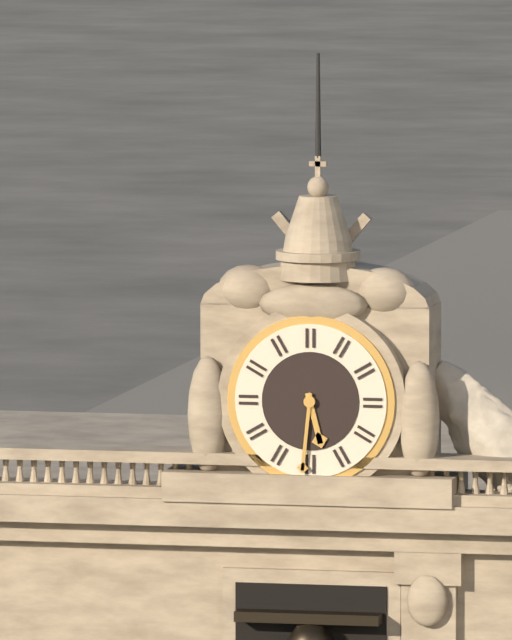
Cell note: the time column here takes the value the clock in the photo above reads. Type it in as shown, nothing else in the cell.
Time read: 5:31
